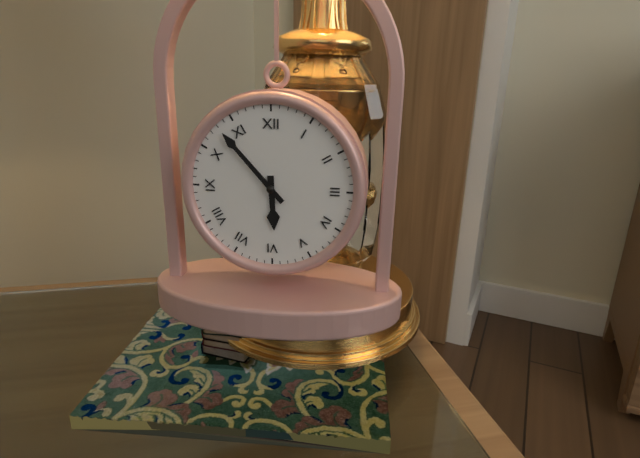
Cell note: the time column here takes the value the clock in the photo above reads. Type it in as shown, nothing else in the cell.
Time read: 5:53
